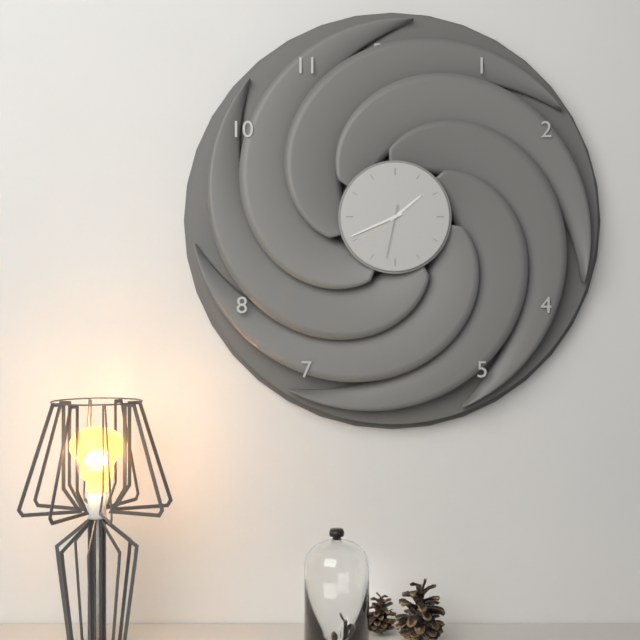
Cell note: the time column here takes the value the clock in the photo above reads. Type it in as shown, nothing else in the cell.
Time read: 1:41:32
